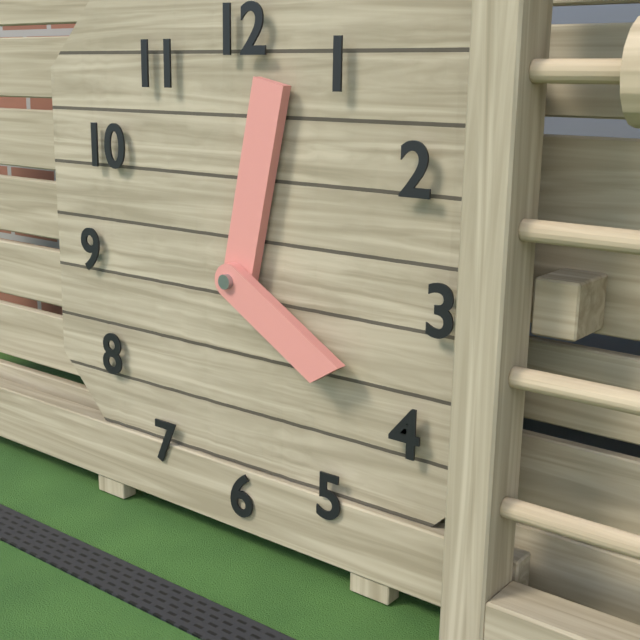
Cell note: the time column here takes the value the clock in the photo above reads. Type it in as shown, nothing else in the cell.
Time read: 4:02
